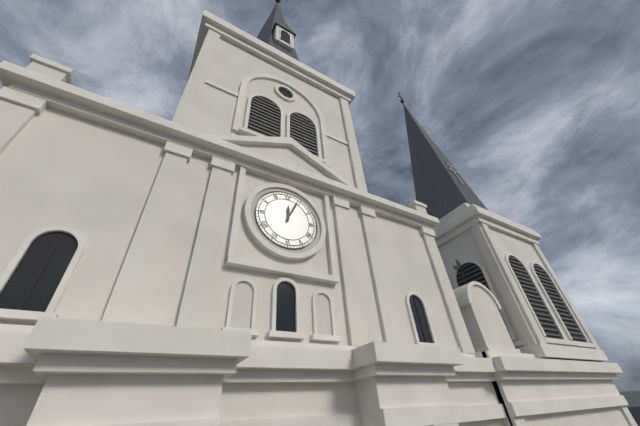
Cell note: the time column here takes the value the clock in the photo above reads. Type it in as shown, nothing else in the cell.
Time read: 12:04
